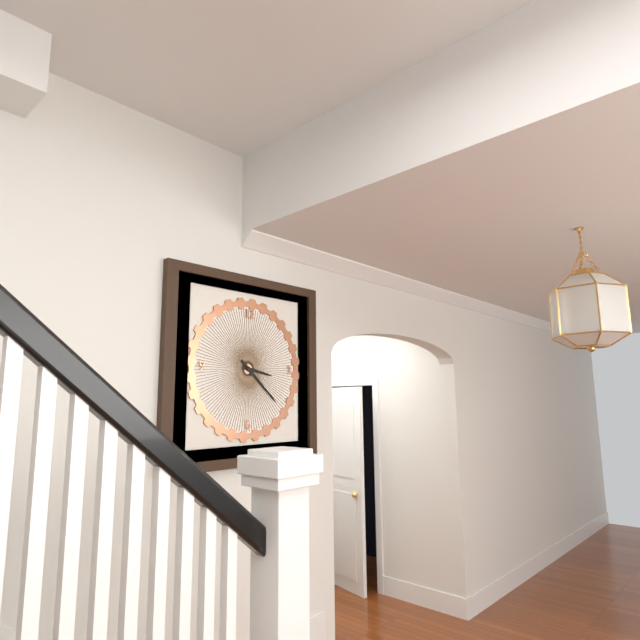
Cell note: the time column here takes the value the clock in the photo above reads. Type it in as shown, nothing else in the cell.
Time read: 3:22
